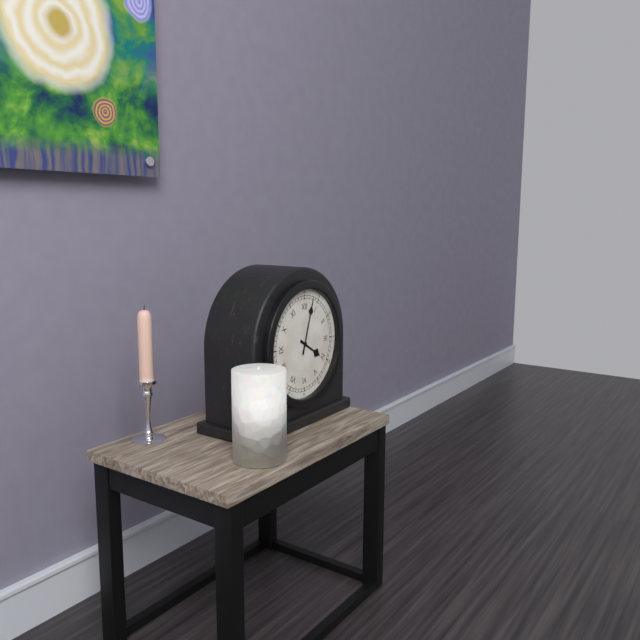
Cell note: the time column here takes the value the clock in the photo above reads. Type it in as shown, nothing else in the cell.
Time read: 4:03
